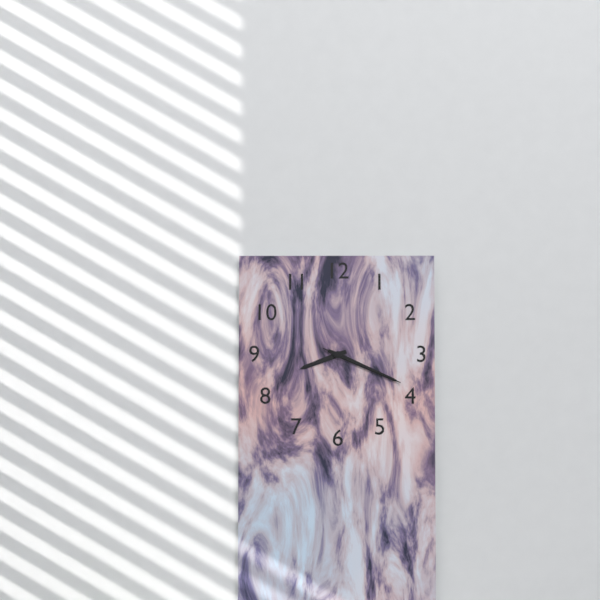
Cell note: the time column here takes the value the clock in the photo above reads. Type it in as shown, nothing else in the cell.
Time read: 8:19:19
